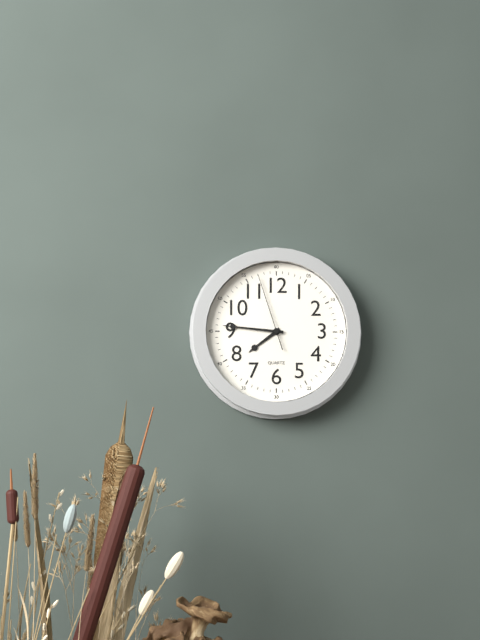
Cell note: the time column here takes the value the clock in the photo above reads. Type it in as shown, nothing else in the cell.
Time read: 7:46:57
